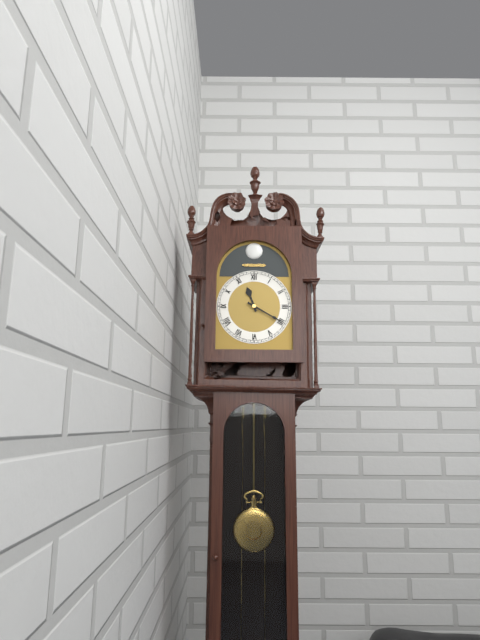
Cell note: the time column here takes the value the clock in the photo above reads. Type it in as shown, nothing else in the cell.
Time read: 11:20
